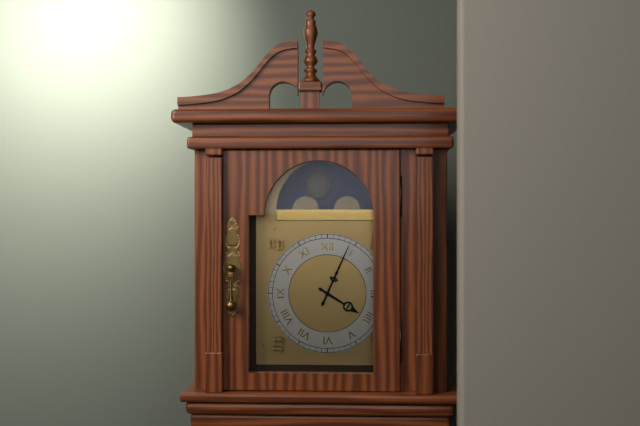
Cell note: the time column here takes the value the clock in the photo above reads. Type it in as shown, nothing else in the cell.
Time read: 4:04
